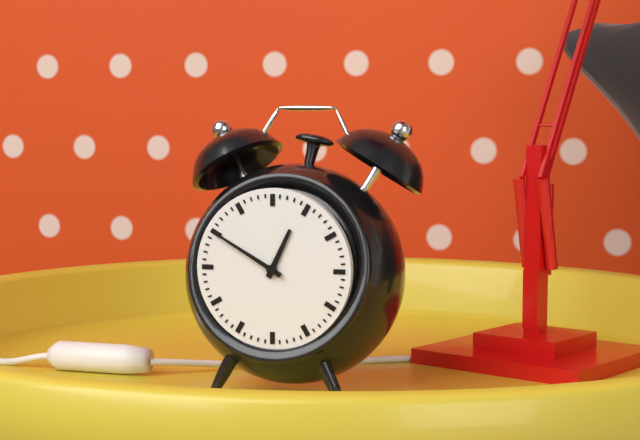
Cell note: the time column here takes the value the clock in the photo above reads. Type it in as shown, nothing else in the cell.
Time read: 12:50
